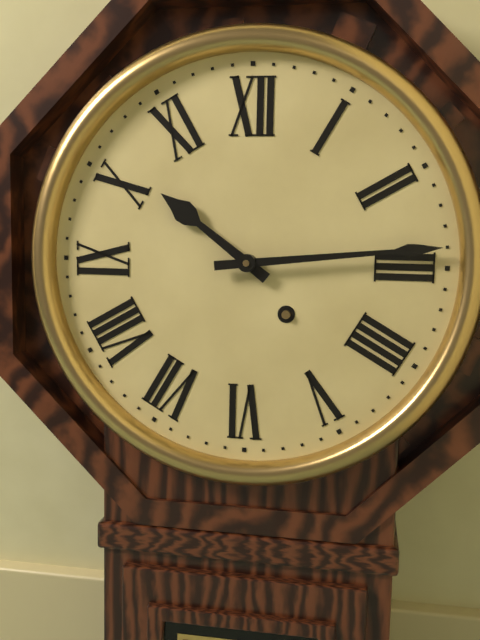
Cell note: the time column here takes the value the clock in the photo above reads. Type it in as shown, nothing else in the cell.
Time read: 10:14
